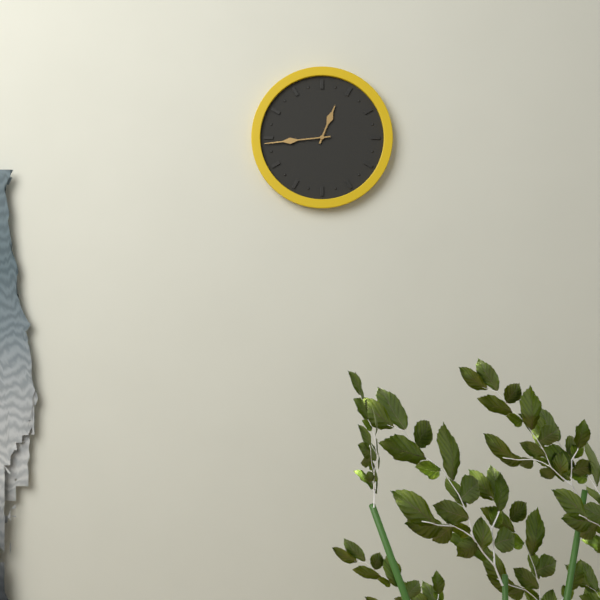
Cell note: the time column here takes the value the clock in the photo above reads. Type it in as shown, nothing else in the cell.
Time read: 12:44
